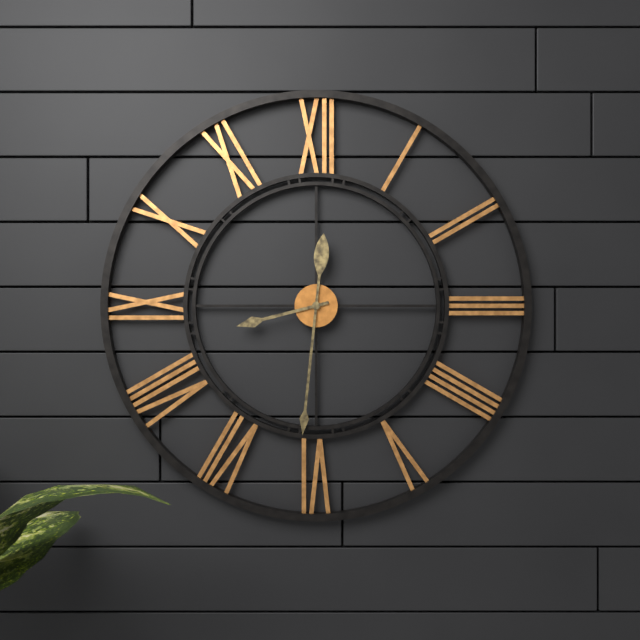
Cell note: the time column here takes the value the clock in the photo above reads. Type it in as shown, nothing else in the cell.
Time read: 8:31
